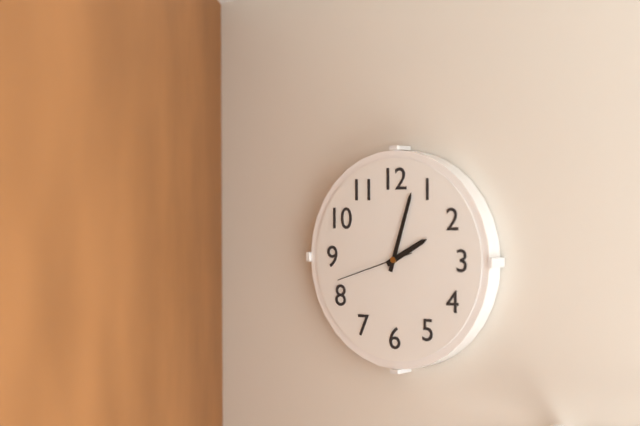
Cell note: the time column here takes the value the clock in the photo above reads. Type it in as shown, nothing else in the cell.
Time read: 2:03:42
